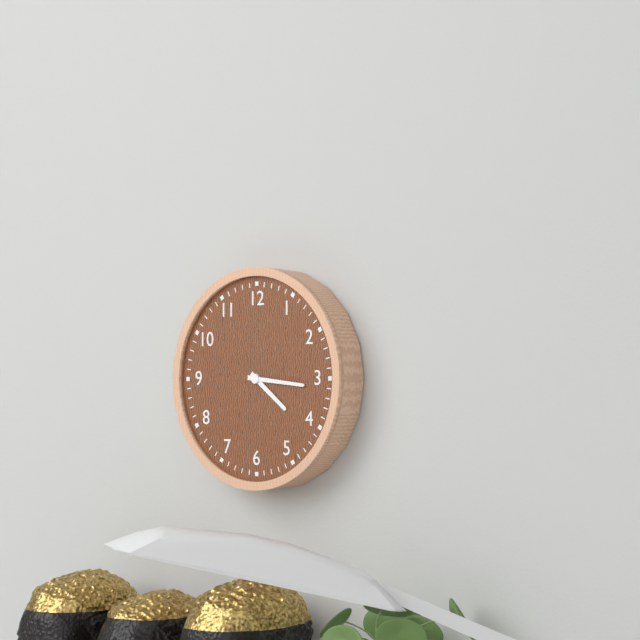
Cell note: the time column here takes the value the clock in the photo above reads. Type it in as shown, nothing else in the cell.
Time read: 4:16
